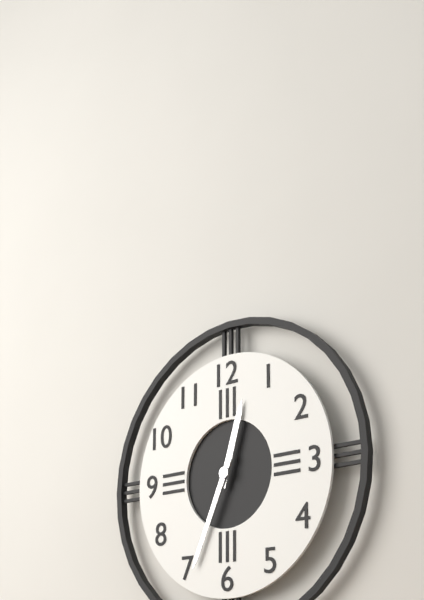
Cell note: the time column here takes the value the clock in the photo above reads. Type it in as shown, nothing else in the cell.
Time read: 12:34
